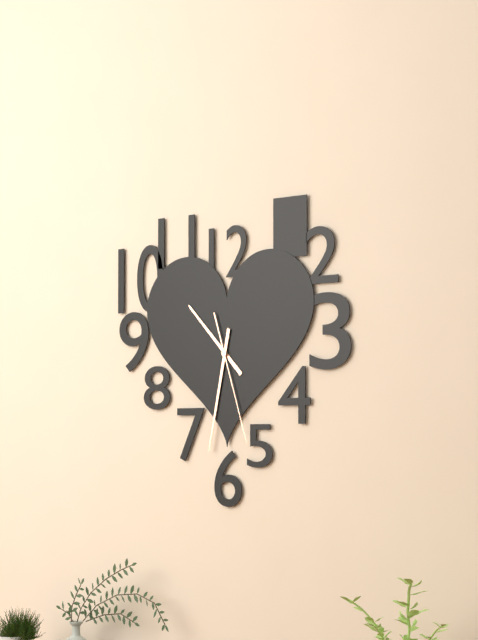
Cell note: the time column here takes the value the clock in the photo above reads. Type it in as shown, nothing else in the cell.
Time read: 10:32:27
